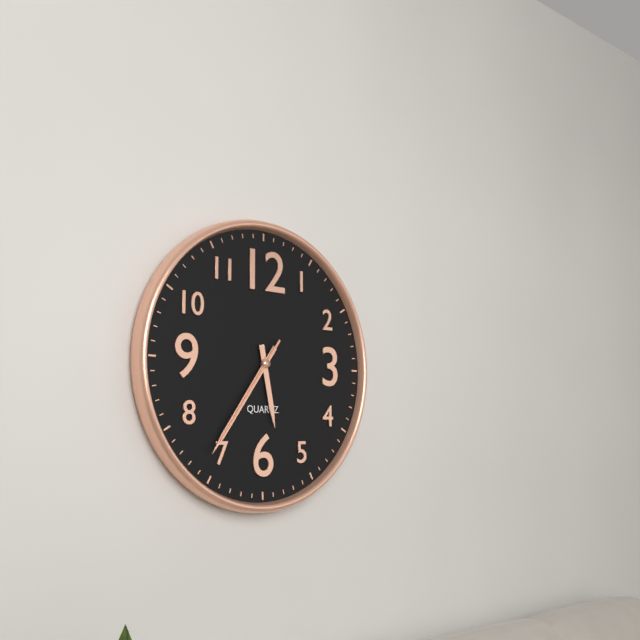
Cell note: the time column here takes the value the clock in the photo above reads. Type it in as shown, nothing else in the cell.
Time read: 5:36:36
